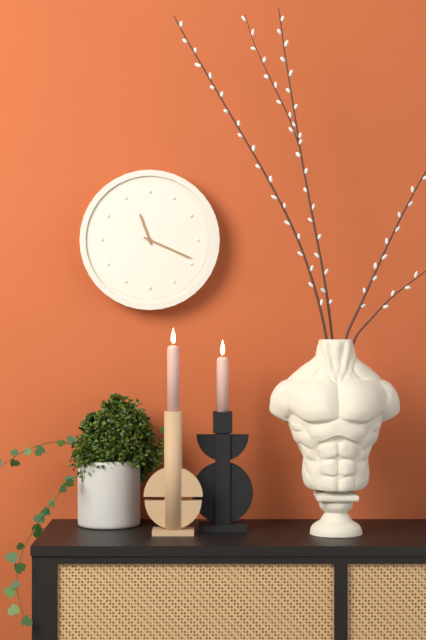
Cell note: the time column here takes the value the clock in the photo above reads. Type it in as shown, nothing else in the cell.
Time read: 11:19
